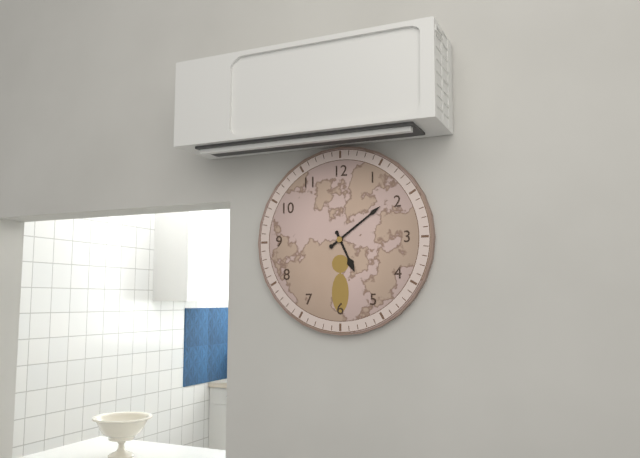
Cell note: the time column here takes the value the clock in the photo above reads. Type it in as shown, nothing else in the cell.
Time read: 5:09
